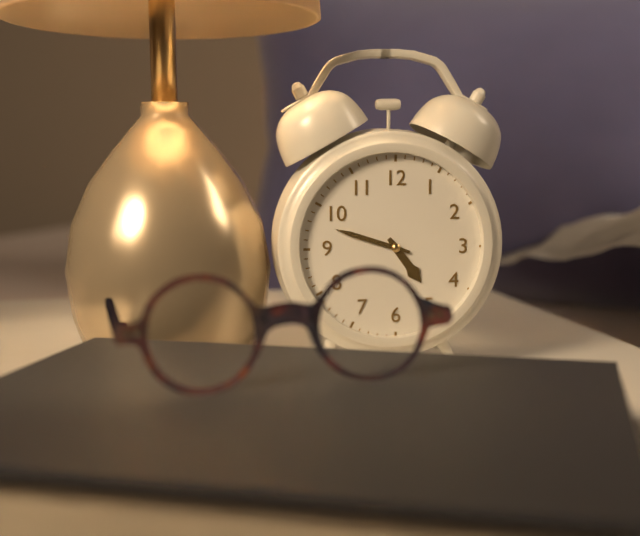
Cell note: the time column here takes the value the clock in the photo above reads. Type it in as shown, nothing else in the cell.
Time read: 4:48
